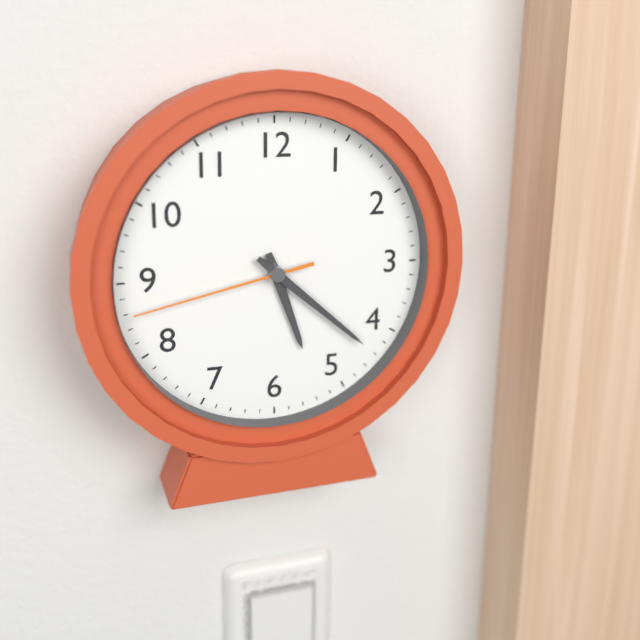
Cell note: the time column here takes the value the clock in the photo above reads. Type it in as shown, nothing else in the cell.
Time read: 5:22:43
